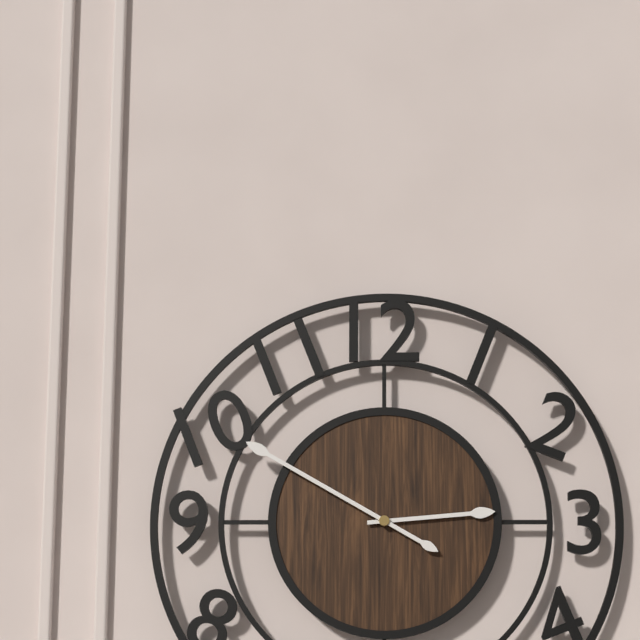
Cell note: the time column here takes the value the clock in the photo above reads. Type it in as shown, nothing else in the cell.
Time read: 2:50
